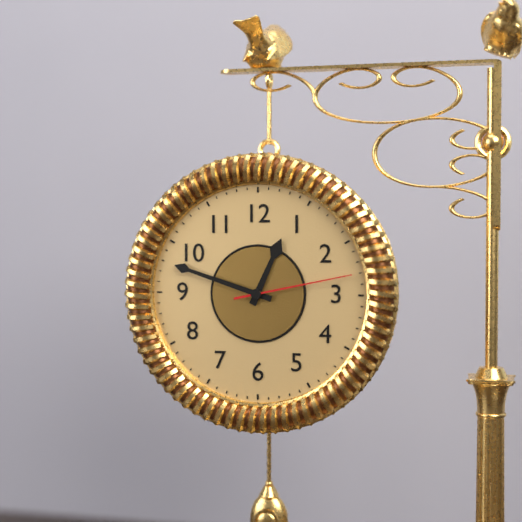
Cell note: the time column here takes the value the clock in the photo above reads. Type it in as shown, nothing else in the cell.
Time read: 12:48:13
